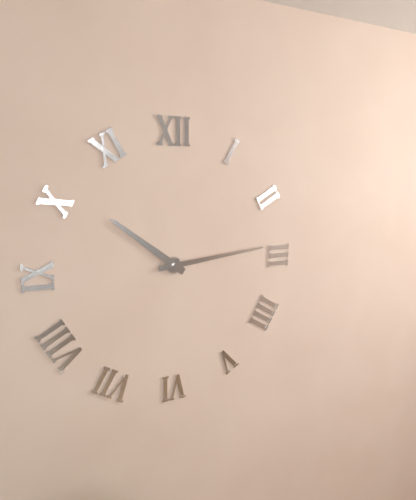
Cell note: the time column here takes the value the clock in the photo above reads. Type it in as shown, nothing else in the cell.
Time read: 10:14
